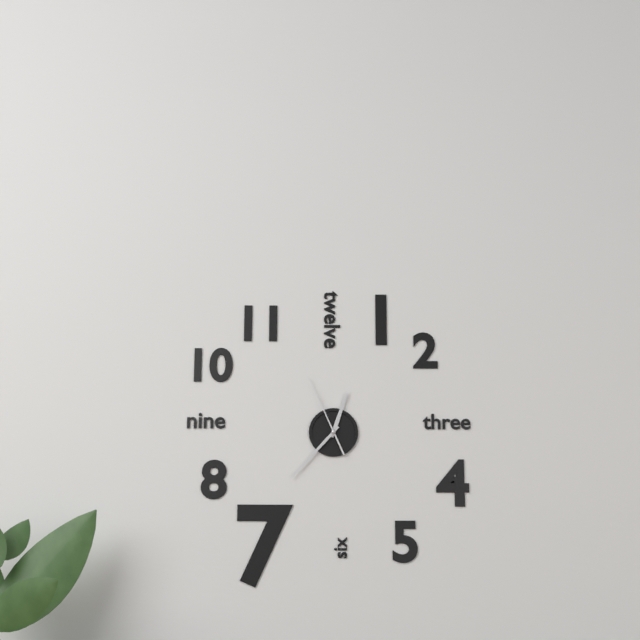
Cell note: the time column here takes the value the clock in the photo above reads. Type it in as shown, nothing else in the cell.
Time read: 12:37:56
